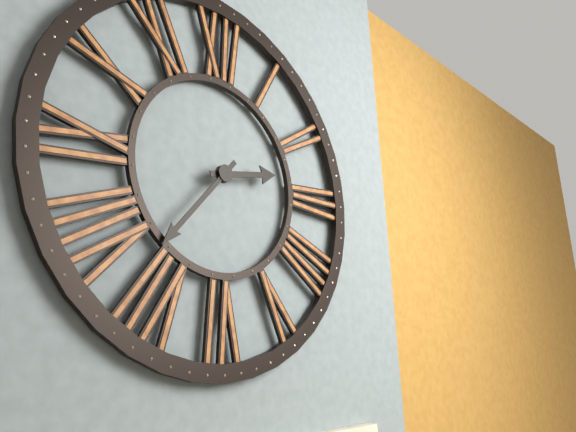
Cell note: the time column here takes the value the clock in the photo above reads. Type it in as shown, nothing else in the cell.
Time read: 2:37
